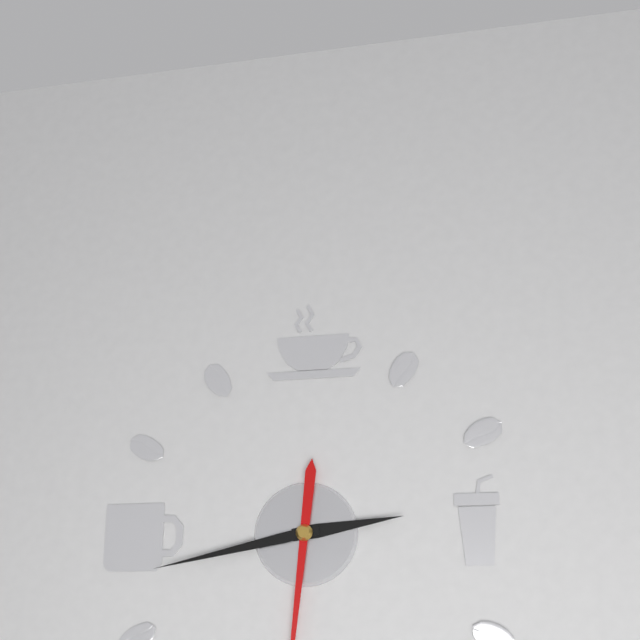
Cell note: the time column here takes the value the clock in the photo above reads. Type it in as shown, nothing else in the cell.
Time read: 2:43
